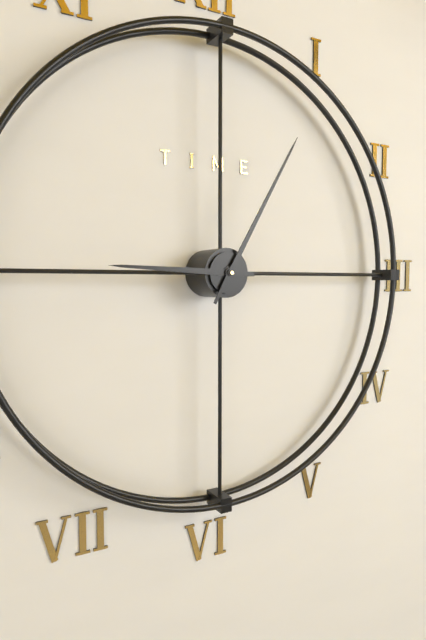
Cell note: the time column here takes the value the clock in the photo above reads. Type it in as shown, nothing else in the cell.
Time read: 9:05
